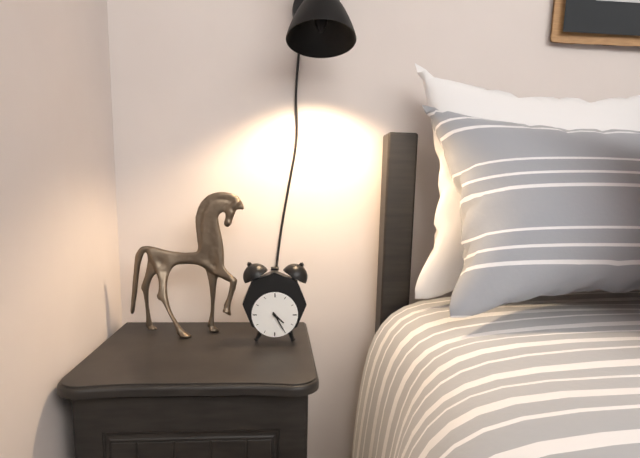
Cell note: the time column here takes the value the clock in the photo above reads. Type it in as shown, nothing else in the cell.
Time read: 4:25
